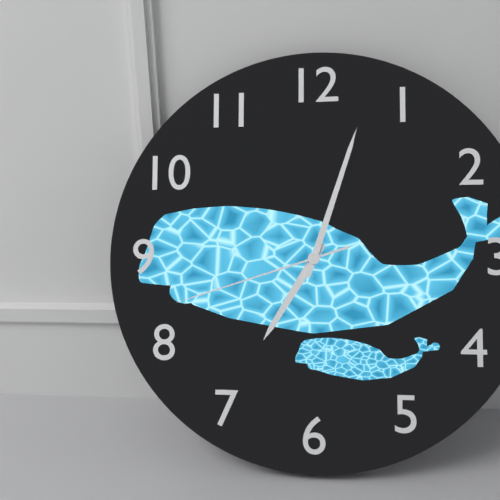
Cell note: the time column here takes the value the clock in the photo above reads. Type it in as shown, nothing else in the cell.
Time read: 7:03:42
